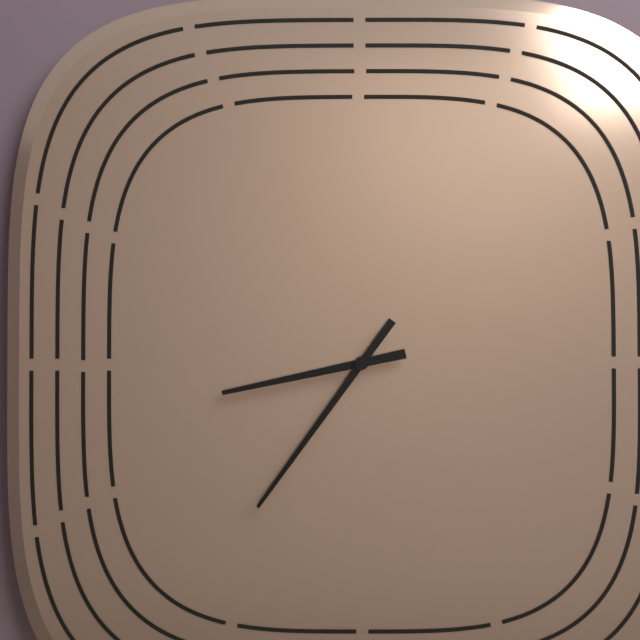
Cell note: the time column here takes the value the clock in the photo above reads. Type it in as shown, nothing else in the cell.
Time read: 8:36
